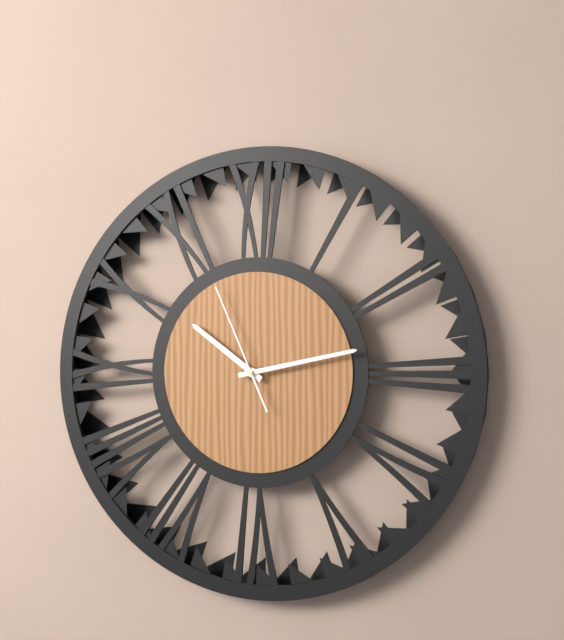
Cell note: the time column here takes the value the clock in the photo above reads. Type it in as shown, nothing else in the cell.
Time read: 10:13:56
